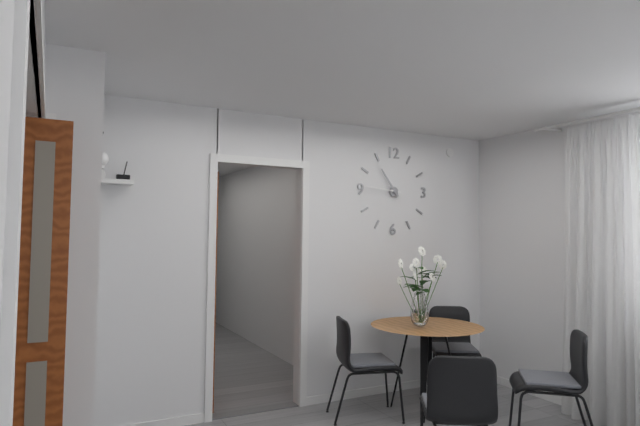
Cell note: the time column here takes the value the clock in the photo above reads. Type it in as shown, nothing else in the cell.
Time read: 10:46
